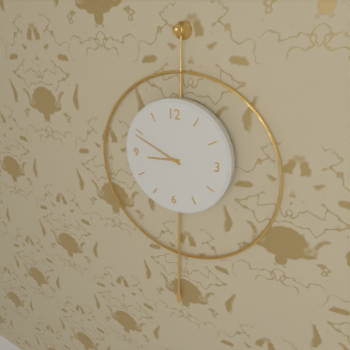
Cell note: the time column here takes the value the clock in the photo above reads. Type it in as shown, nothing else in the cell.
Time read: 8:49
